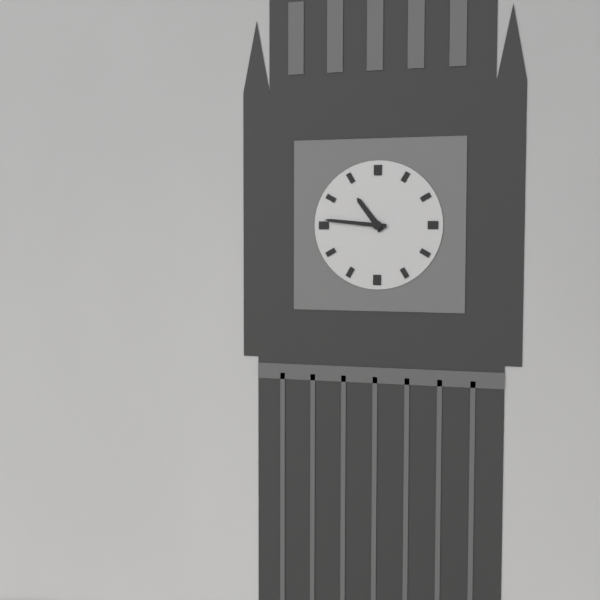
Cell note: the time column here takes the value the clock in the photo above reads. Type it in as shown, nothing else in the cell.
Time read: 10:46
